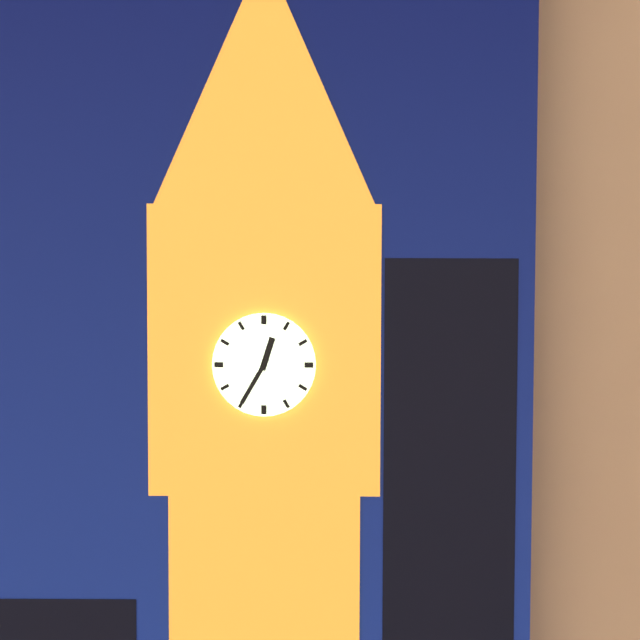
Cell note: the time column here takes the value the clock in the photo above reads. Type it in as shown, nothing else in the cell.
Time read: 12:35
